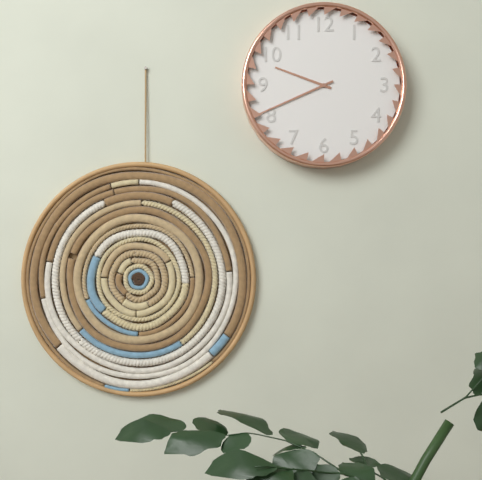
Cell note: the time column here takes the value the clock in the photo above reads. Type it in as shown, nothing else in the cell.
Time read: 9:41
